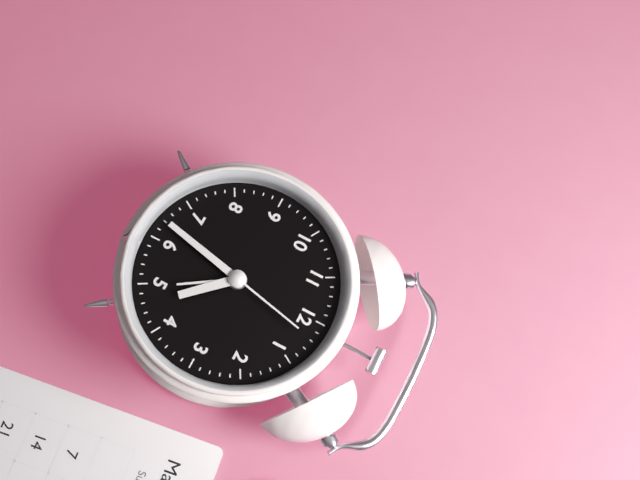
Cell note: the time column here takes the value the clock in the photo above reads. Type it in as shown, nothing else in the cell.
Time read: 4:32:02
